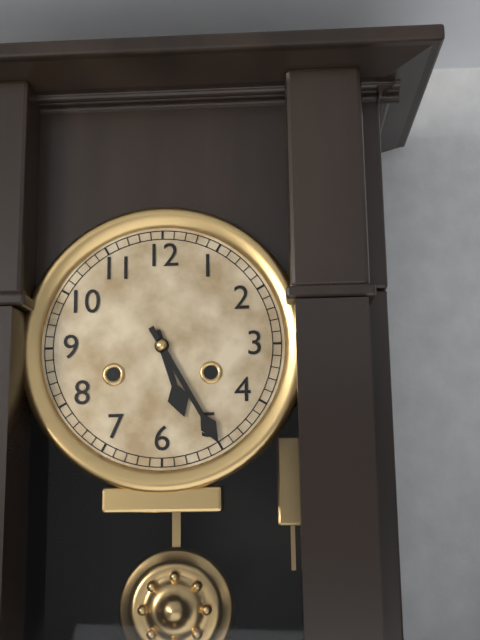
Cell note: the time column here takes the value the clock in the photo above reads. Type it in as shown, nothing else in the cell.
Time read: 5:25
